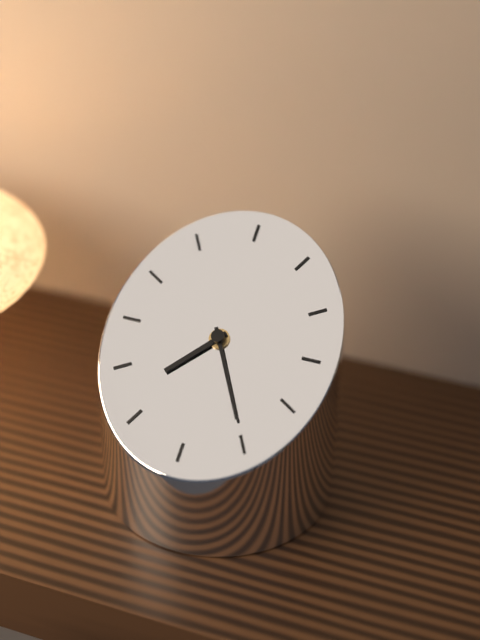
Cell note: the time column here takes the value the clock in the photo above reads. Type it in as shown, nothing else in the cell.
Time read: 7:25
